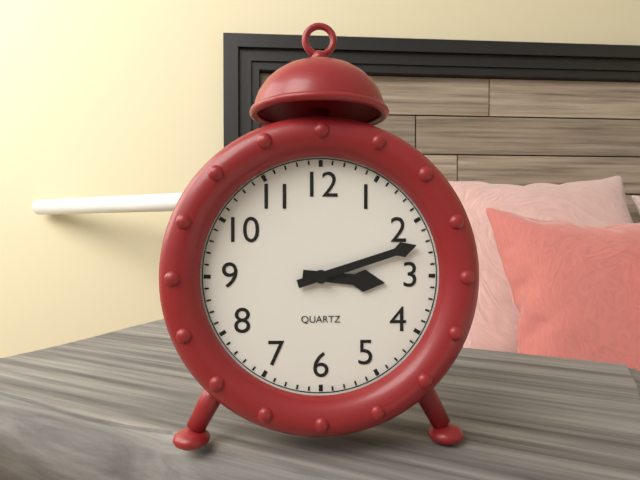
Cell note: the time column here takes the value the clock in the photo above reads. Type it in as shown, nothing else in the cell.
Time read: 3:12
